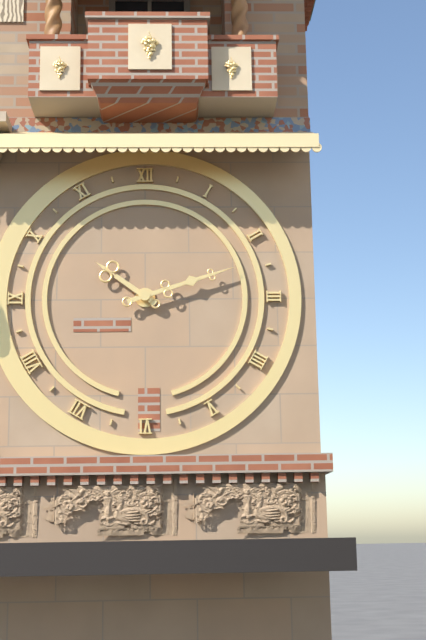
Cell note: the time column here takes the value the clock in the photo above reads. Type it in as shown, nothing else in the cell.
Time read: 10:12
